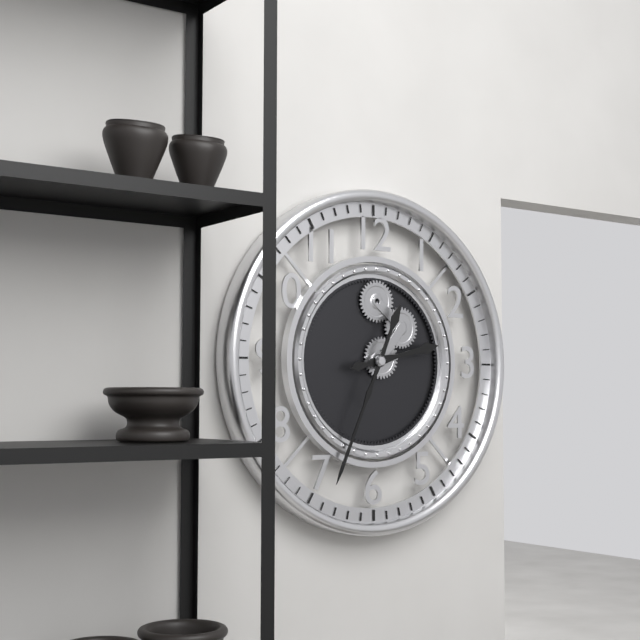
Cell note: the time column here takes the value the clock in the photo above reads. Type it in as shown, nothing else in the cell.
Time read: 2:34
